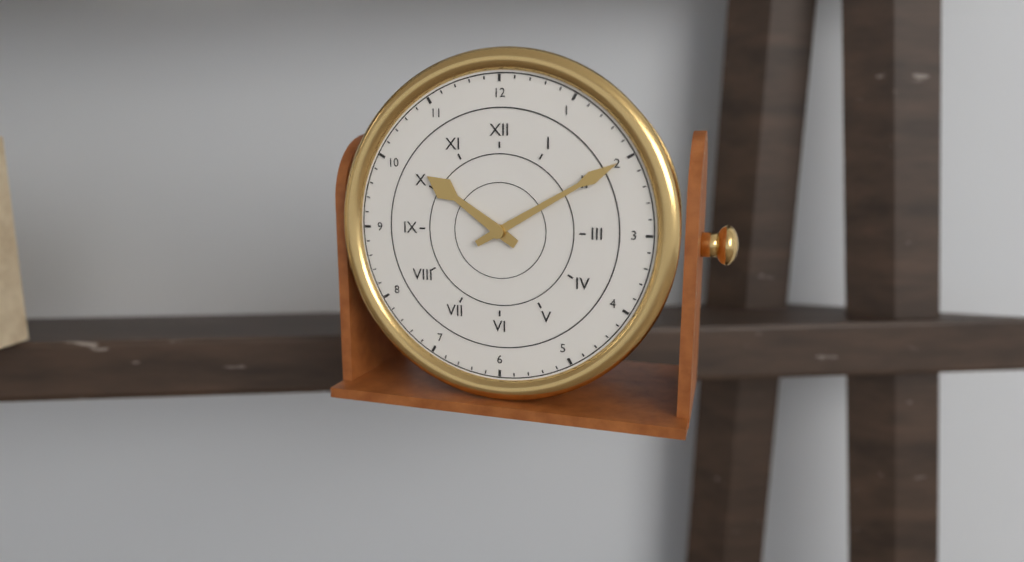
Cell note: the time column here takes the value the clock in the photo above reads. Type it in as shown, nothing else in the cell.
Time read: 10:10
